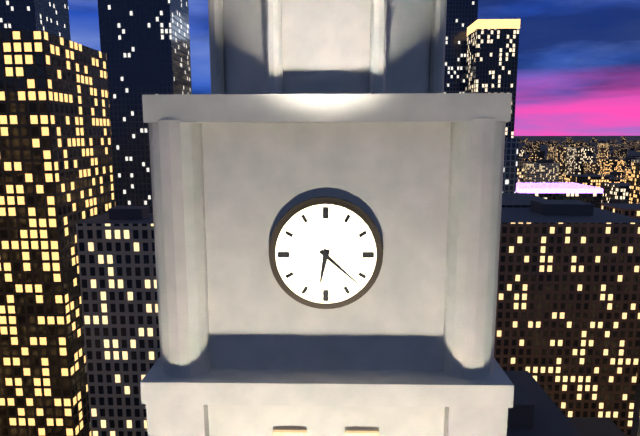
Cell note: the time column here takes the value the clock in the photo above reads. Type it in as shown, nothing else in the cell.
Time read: 6:22
